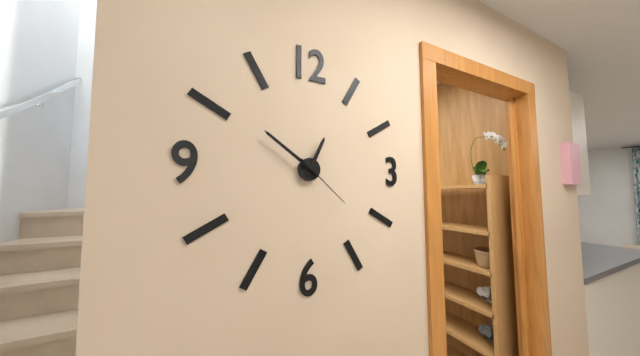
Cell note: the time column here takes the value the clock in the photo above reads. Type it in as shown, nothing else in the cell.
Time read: 12:51:22
